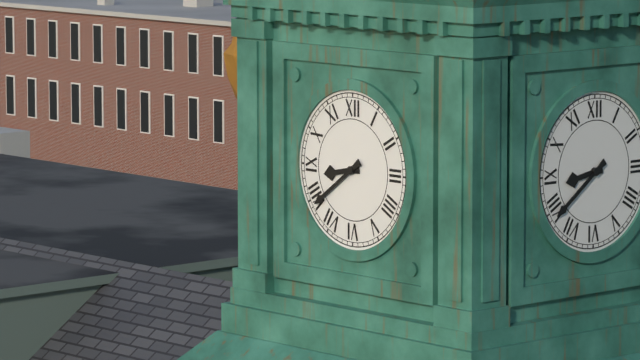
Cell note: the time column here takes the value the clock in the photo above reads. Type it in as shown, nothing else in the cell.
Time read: 8:39
